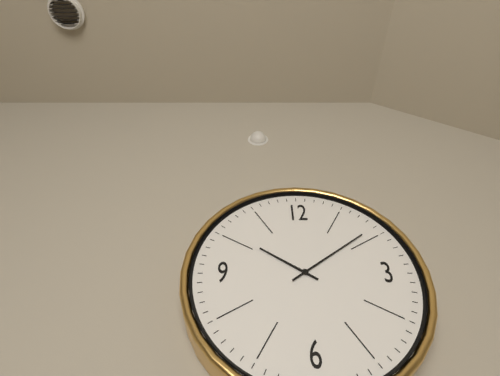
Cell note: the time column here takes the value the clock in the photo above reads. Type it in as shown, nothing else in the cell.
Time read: 10:09
